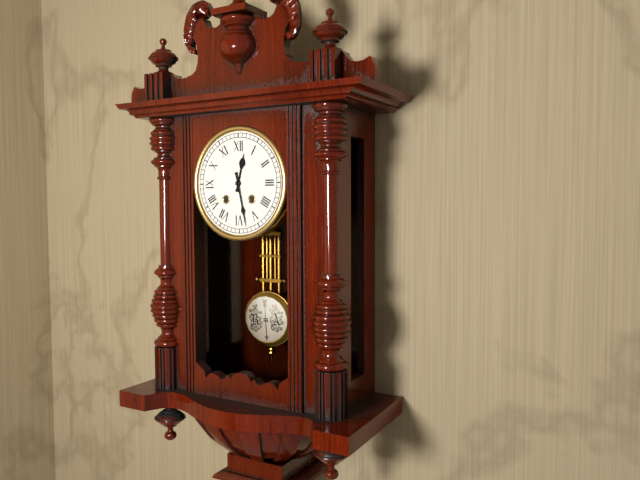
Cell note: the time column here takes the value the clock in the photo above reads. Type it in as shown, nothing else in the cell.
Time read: 12:28
